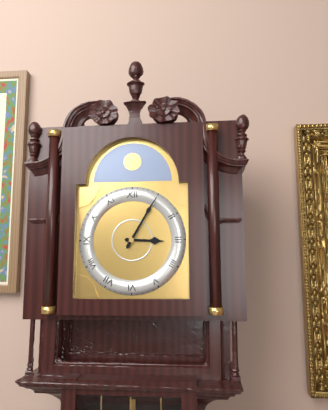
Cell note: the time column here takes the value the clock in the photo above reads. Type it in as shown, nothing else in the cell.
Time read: 3:05
